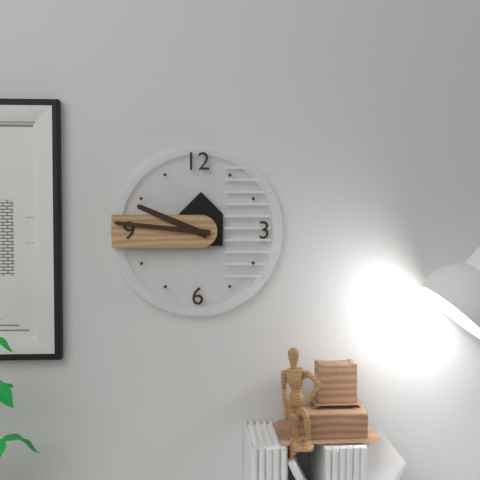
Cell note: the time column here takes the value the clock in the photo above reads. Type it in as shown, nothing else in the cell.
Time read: 9:46
